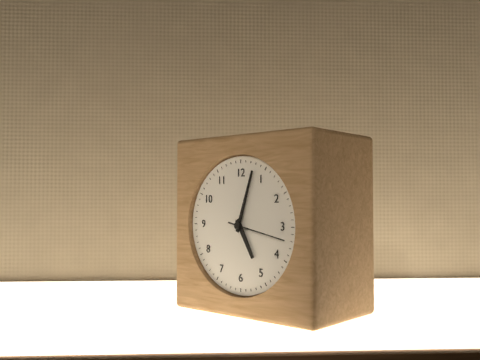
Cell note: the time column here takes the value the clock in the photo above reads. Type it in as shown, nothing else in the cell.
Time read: 5:03:17
